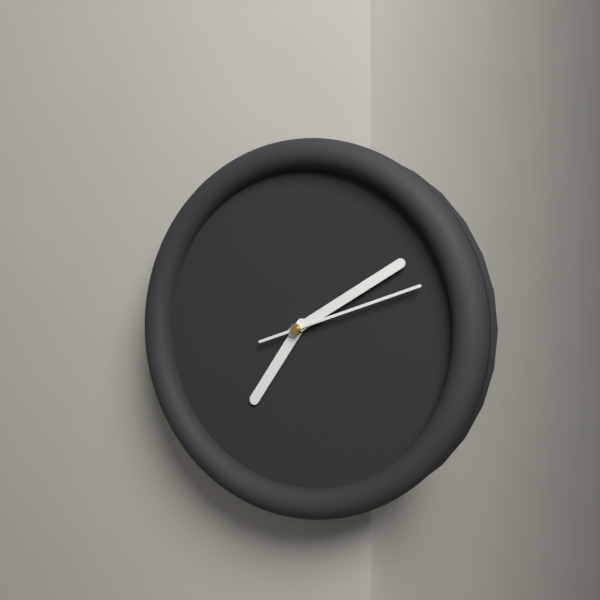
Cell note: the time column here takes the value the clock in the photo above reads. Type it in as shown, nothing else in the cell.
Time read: 7:10:12
